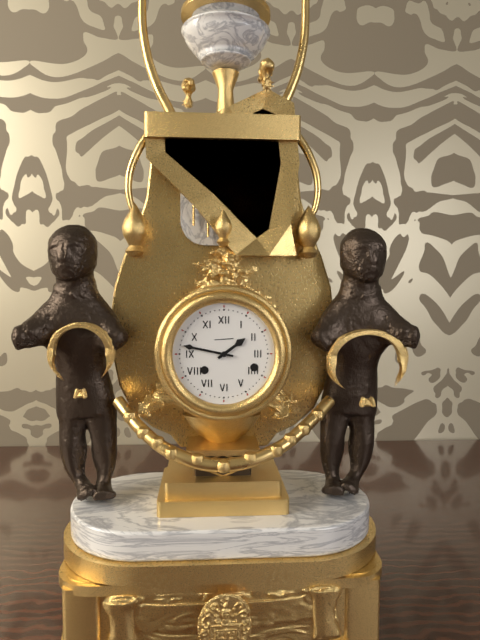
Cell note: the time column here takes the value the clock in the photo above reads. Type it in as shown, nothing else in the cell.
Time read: 1:47
